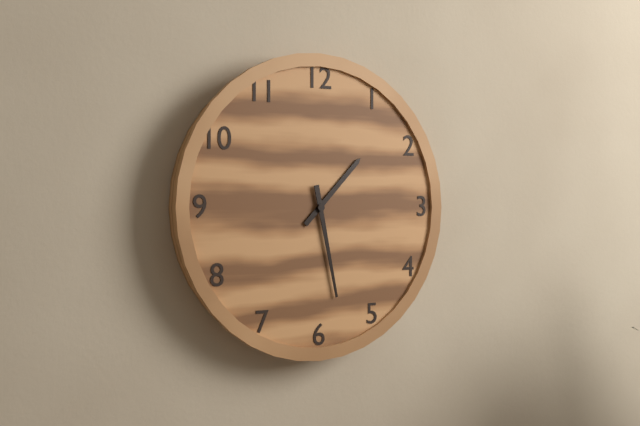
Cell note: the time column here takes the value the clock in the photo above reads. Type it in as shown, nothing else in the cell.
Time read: 1:28
